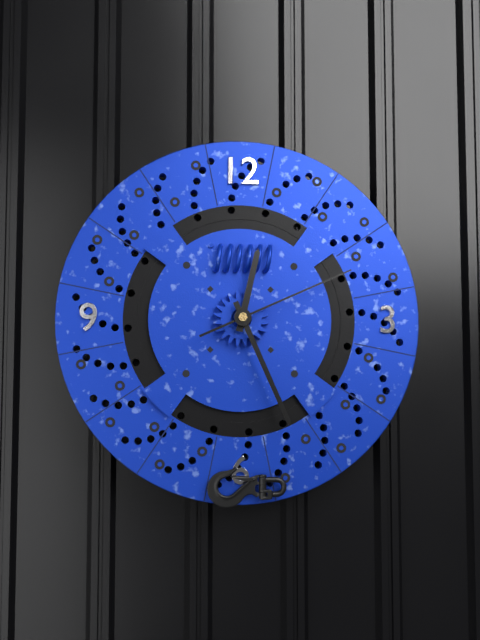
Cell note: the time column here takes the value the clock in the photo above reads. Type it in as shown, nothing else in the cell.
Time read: 12:26:11
